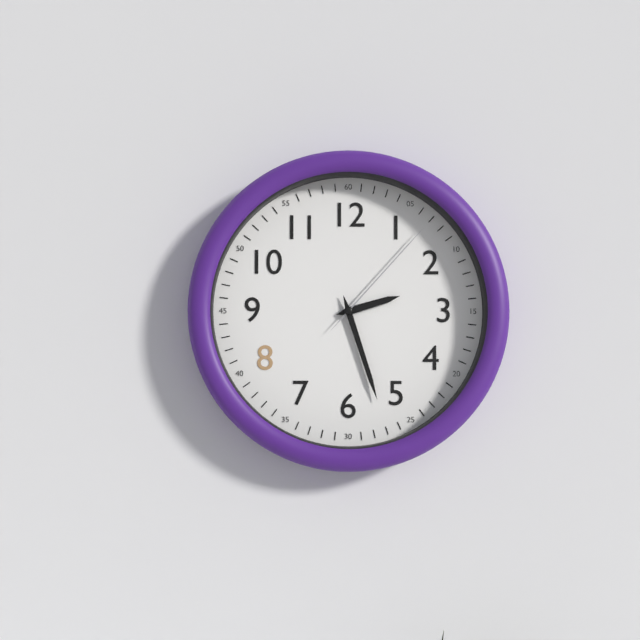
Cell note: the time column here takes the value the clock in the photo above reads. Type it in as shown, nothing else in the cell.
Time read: 2:27:07
